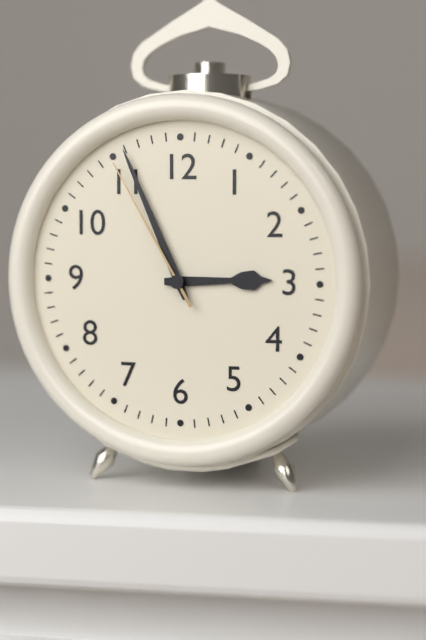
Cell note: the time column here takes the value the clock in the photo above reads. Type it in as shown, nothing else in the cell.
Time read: 2:56:55
